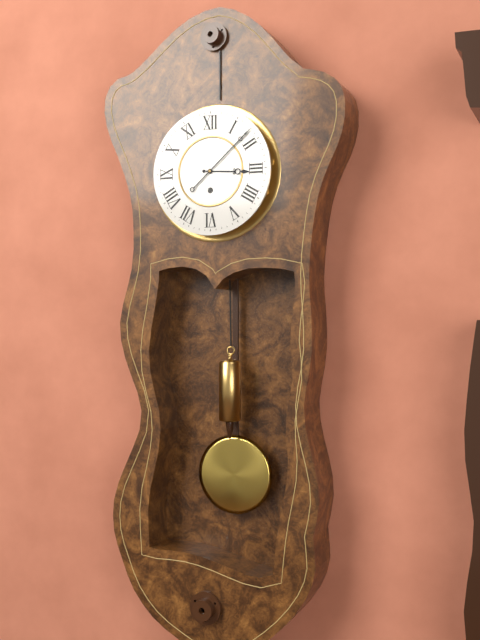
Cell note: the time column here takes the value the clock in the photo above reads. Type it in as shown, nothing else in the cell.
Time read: 3:08
